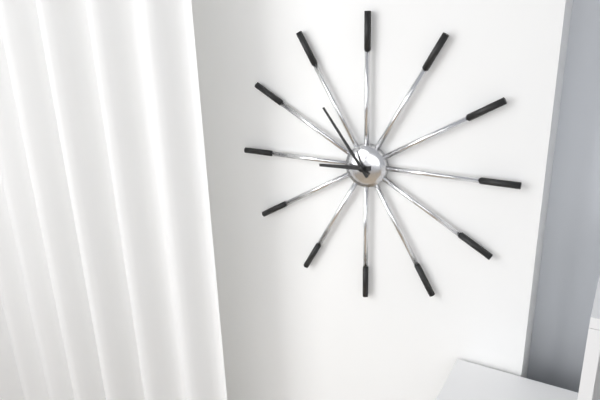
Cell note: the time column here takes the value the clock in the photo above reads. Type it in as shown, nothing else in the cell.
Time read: 8:54
